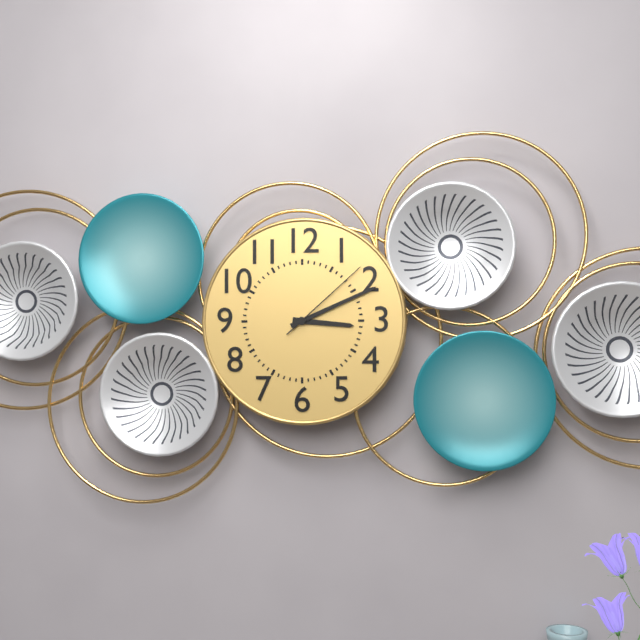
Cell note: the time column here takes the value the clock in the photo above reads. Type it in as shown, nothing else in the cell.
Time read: 3:11:08
